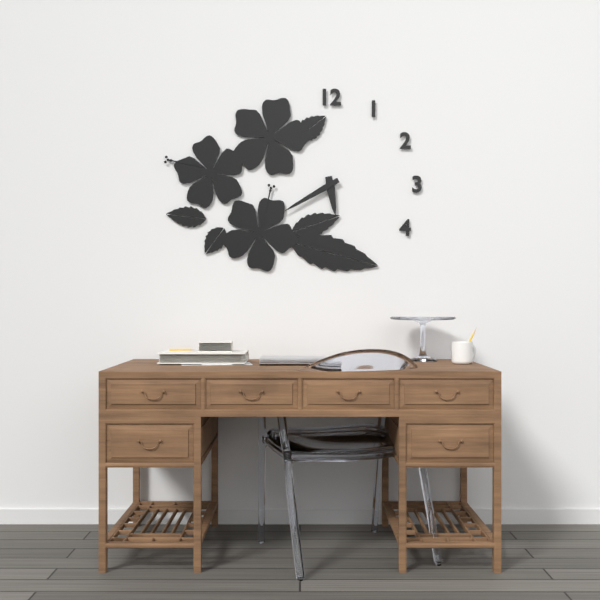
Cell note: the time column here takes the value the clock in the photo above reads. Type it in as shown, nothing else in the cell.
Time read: 5:40
